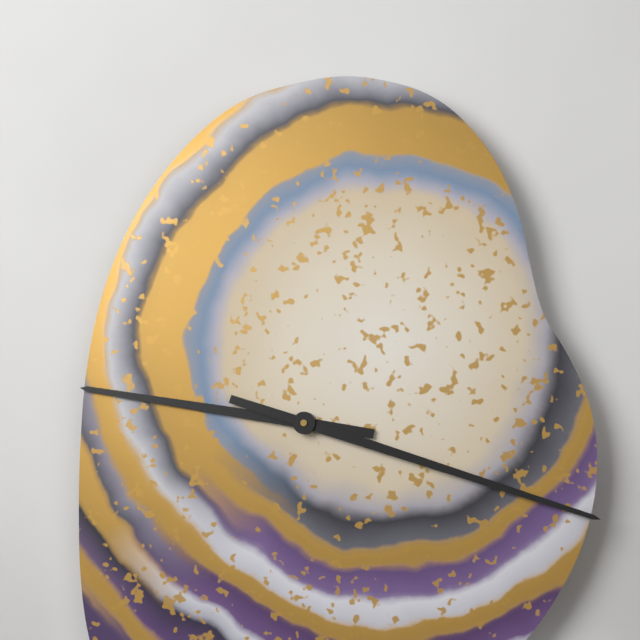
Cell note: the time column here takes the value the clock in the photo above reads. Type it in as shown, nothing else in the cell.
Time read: 9:18
